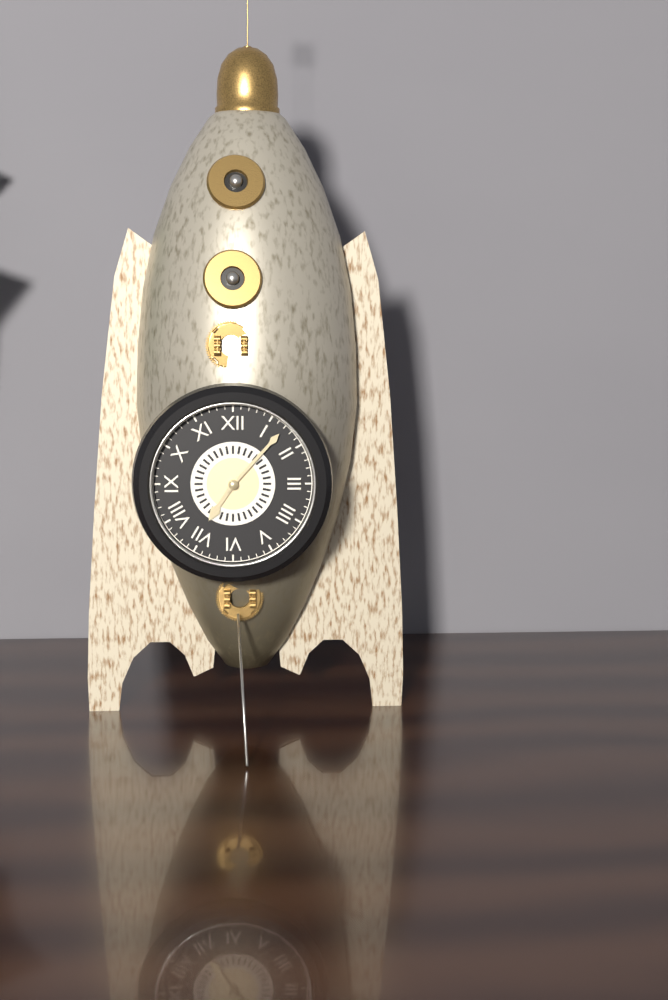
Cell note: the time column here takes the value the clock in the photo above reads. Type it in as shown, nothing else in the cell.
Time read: 7:07
